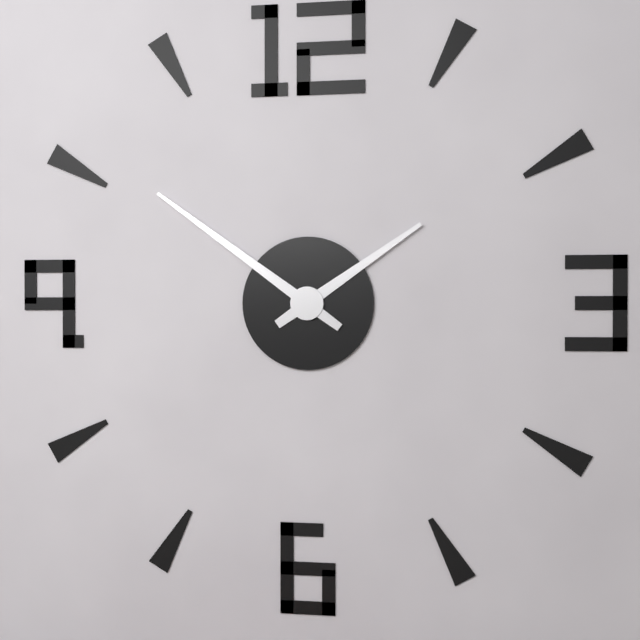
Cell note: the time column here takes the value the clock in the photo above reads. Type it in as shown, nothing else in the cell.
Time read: 1:51
